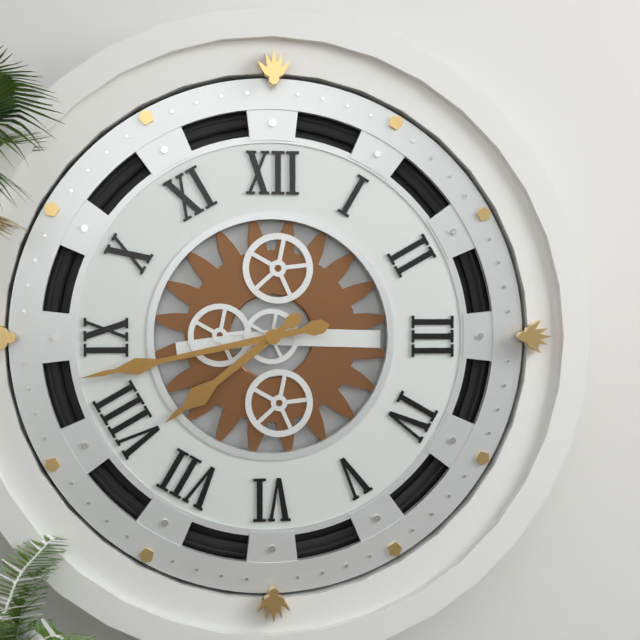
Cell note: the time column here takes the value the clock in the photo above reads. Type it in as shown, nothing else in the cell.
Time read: 7:43
